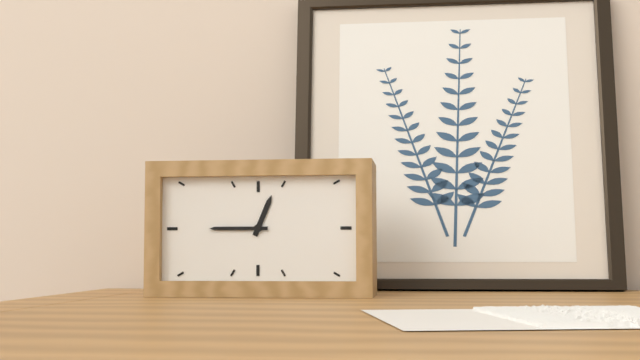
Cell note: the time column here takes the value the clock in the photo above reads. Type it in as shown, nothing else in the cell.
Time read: 12:45
